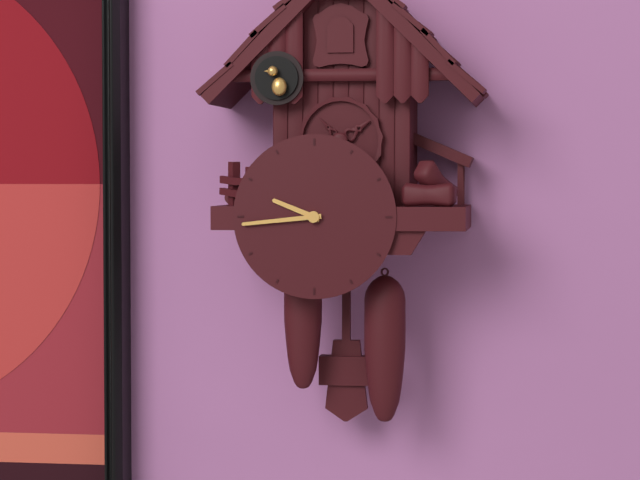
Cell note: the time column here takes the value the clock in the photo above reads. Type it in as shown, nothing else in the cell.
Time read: 9:44
